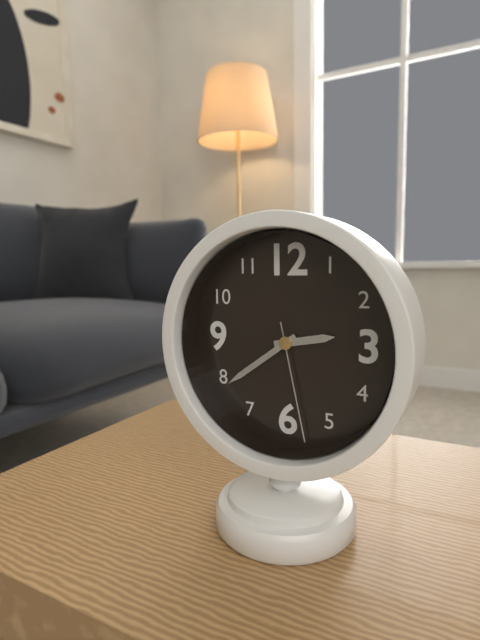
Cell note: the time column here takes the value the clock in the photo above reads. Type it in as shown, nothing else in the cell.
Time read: 2:39:28
